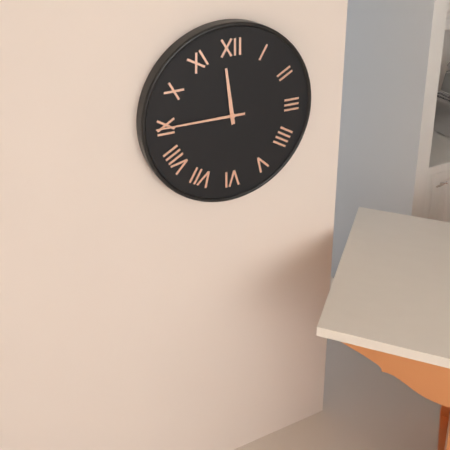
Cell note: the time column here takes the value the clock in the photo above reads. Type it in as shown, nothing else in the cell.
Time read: 11:45
